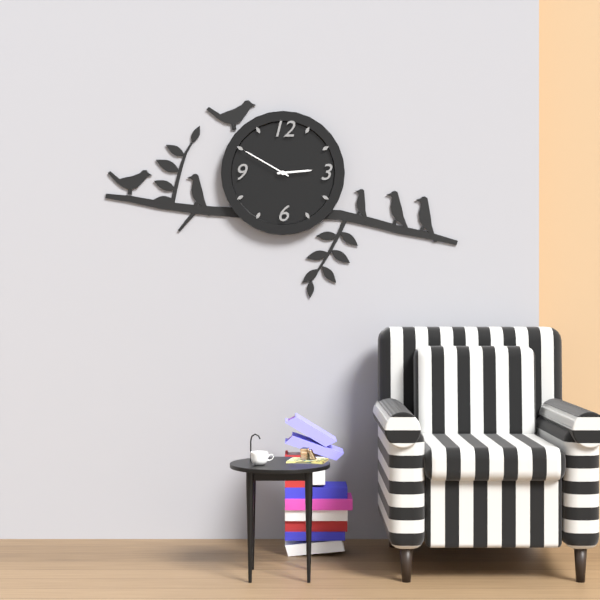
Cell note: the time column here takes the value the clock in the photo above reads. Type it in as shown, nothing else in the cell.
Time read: 2:50
